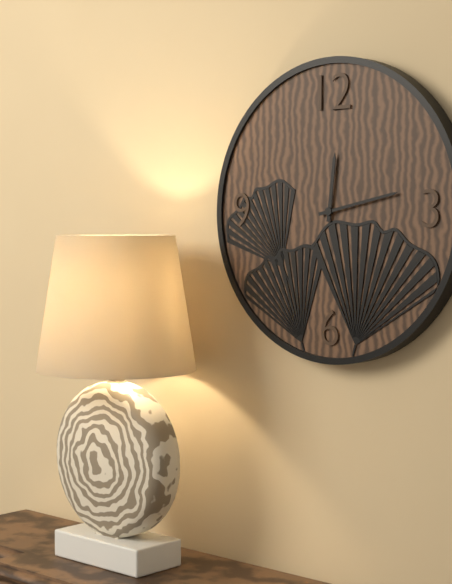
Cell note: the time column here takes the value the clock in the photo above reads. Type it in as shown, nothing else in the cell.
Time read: 12:13
